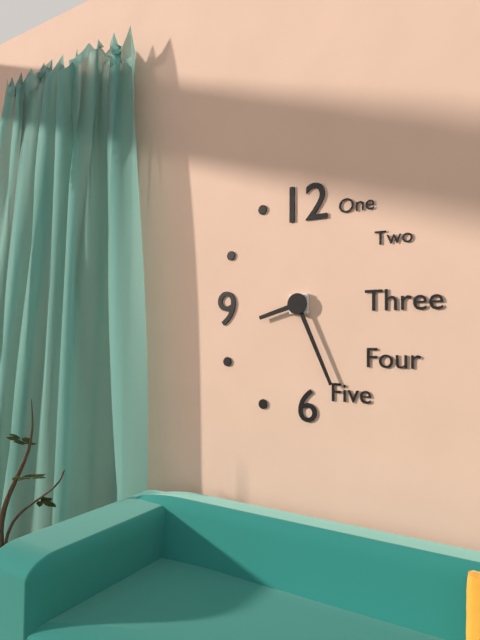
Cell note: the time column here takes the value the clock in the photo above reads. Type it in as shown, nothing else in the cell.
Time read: 8:26
